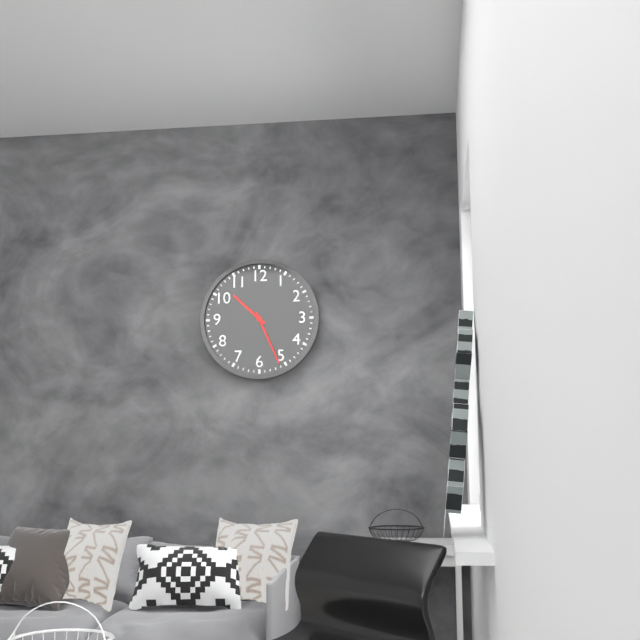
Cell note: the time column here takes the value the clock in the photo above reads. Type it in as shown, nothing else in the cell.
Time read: 10:26
